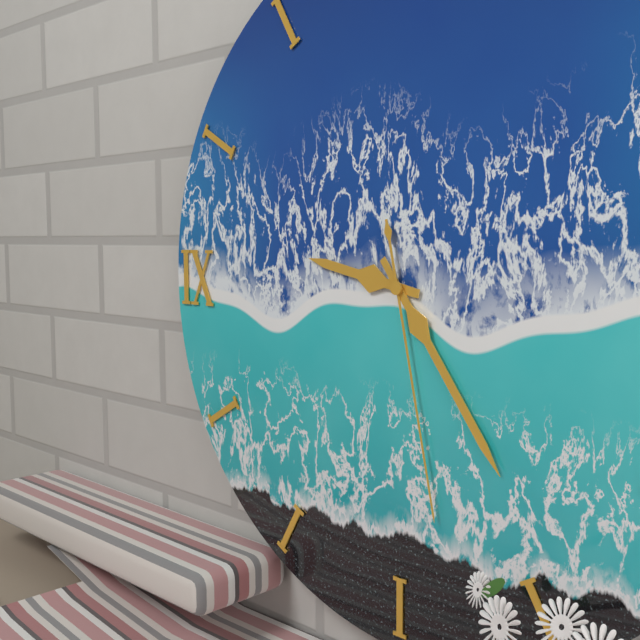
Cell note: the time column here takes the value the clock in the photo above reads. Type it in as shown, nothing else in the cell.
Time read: 9:24:28
